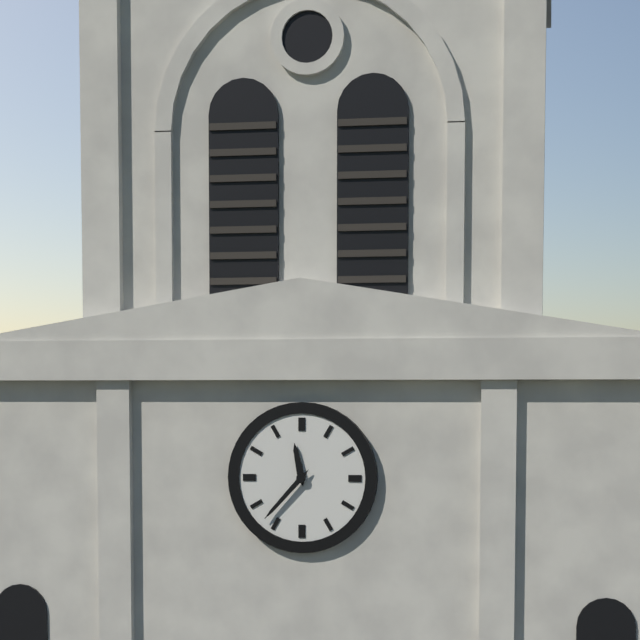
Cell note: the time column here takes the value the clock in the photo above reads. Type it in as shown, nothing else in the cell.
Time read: 11:37
